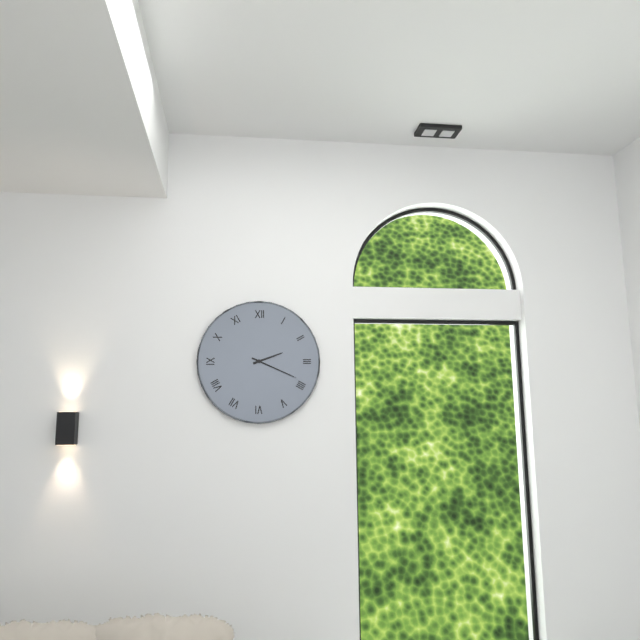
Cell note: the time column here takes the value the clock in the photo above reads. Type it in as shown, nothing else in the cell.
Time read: 2:19
